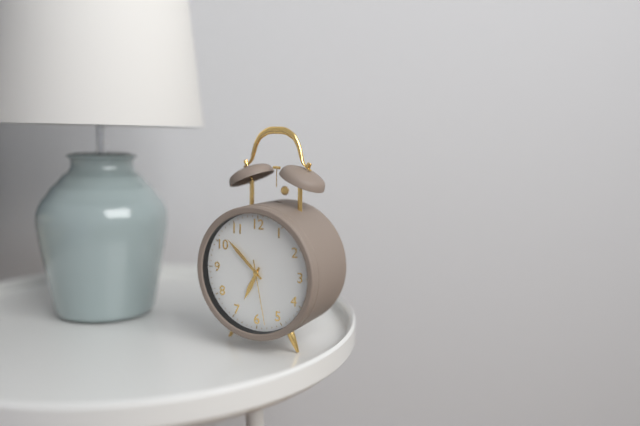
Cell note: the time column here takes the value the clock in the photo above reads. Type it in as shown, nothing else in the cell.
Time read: 6:52:28
